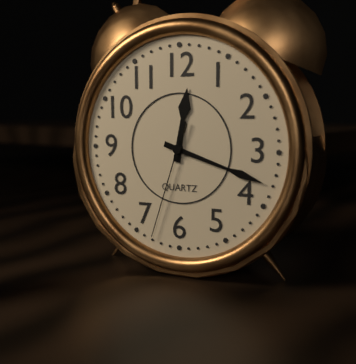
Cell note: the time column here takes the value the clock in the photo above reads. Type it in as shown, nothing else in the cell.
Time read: 12:18:33
